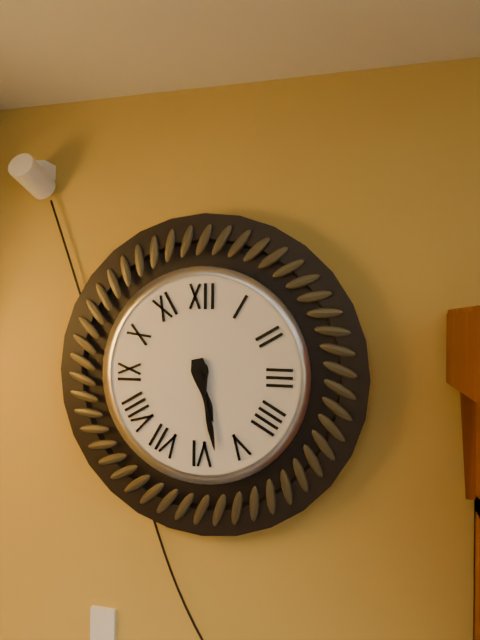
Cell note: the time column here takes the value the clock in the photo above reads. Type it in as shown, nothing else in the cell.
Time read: 5:28
